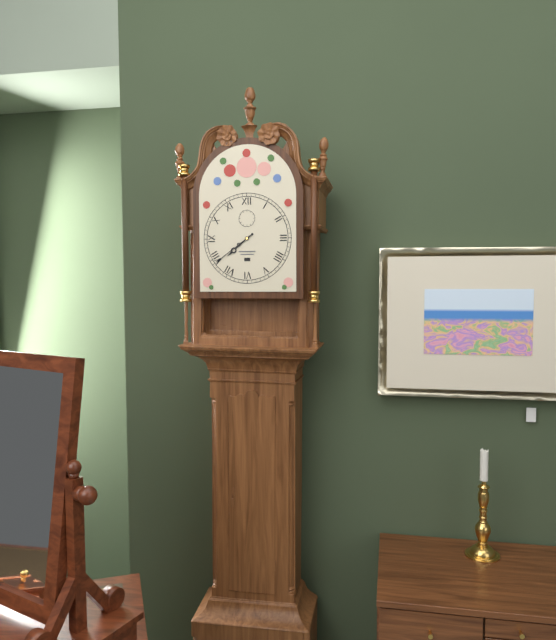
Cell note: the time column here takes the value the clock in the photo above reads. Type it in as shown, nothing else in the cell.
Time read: 7:39
